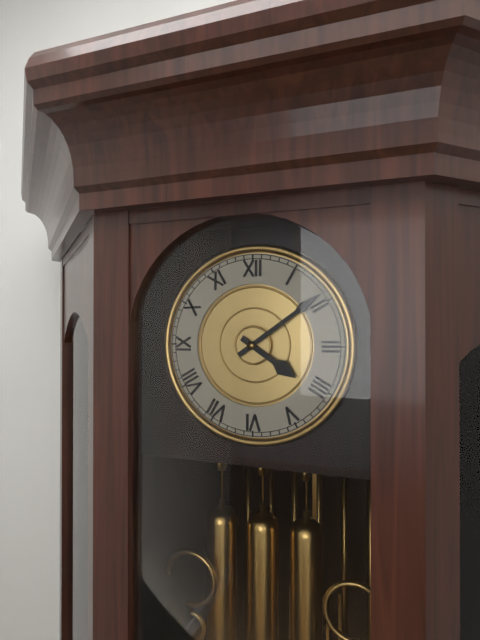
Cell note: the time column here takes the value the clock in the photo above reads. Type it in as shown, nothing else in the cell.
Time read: 4:09
